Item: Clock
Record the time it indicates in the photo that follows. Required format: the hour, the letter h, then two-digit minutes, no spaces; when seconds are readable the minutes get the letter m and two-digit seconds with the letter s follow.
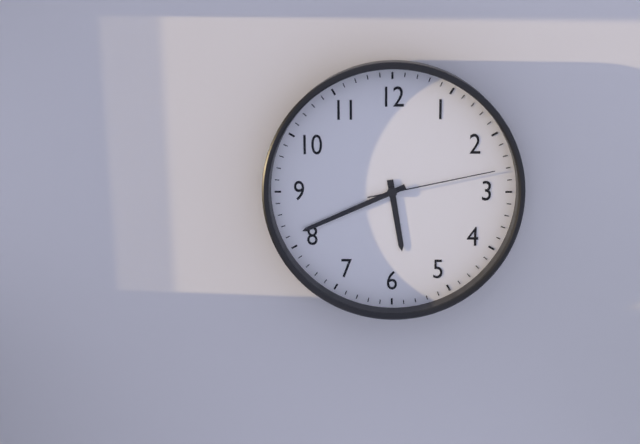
5h41m13s
